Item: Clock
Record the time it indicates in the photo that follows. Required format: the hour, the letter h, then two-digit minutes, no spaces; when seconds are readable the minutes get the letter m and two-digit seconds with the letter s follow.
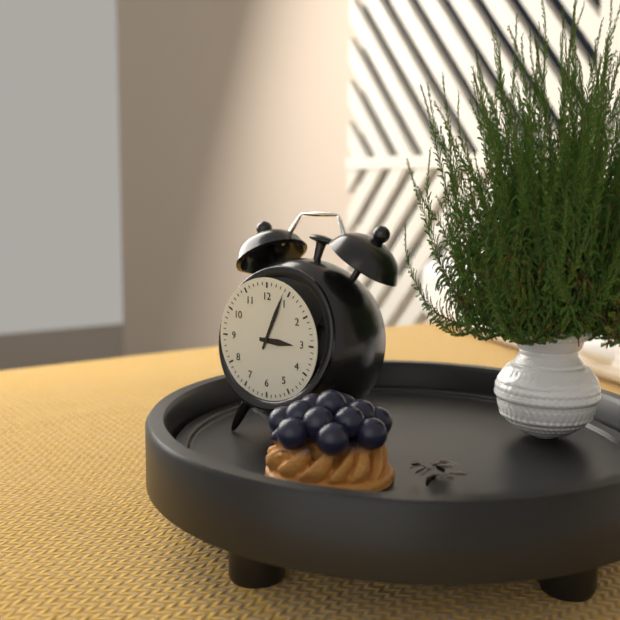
3h04
